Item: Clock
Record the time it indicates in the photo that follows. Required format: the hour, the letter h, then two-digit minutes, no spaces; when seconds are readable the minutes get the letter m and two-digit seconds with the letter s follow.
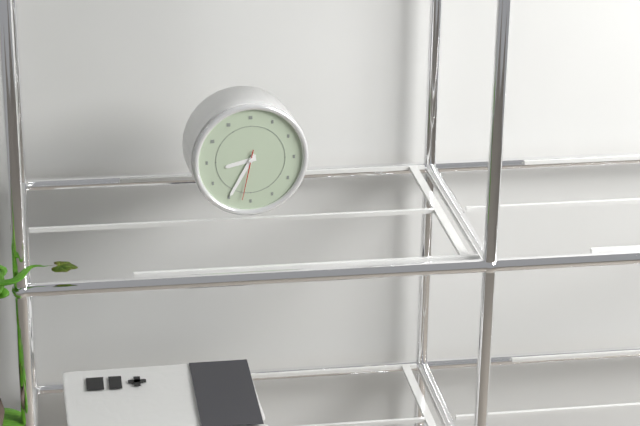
8h35m32s
